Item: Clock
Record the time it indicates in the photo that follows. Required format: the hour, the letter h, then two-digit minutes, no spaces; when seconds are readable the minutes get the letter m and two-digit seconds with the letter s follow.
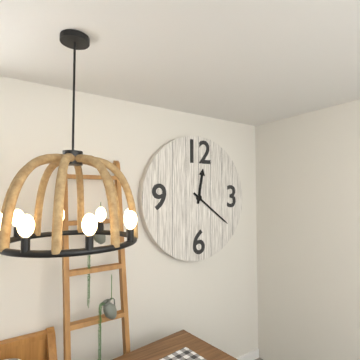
12h21
